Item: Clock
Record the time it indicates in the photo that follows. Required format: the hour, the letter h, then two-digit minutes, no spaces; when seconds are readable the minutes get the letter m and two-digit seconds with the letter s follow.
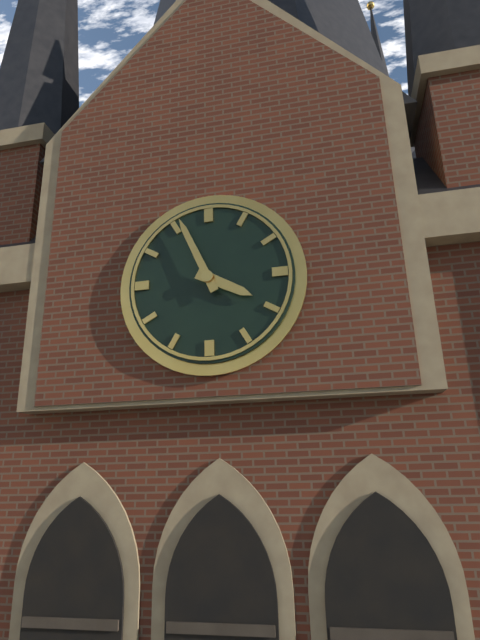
3h56
